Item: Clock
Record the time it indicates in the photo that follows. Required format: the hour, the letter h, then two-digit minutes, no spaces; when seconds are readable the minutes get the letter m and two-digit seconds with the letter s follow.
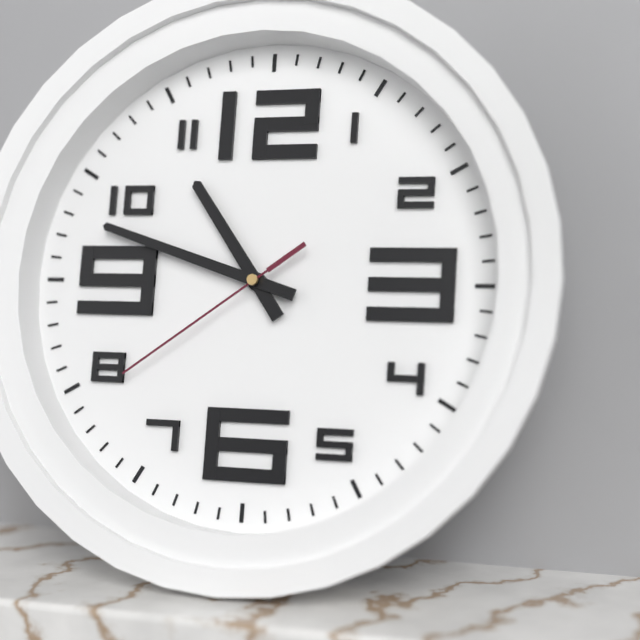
10h48m39s
